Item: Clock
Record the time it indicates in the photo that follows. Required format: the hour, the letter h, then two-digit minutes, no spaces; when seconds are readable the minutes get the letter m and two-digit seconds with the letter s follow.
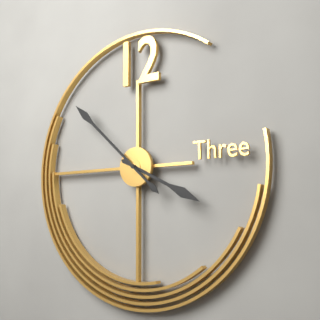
3h52
